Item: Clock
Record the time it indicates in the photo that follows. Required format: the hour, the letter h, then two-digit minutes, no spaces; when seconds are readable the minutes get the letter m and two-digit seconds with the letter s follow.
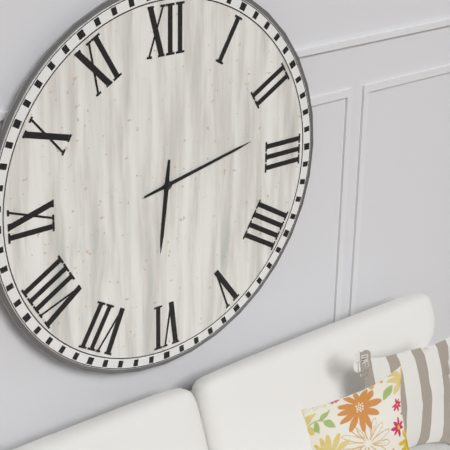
6h13
